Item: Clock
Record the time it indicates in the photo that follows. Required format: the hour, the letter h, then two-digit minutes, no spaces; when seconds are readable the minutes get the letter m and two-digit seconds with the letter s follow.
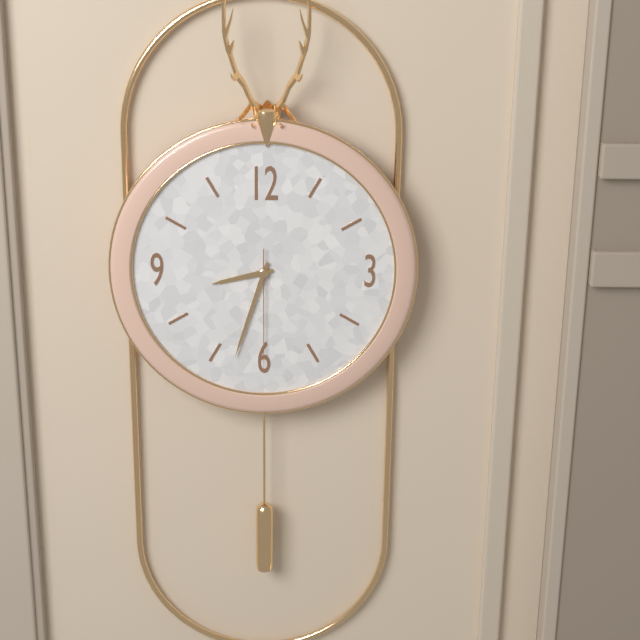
8h33m30s
